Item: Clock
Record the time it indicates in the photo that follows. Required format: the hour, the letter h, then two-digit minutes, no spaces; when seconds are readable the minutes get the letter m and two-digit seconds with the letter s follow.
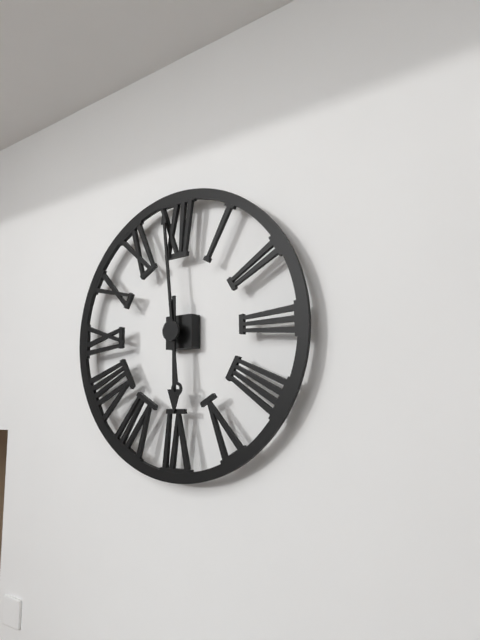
5h59
